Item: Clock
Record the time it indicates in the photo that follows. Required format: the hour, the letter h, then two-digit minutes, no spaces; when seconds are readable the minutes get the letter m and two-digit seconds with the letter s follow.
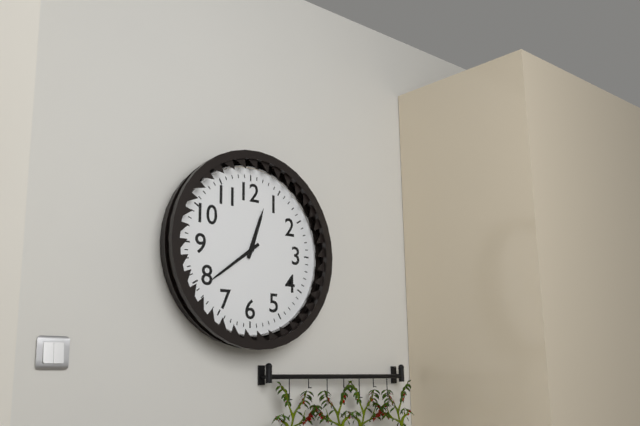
12h39
